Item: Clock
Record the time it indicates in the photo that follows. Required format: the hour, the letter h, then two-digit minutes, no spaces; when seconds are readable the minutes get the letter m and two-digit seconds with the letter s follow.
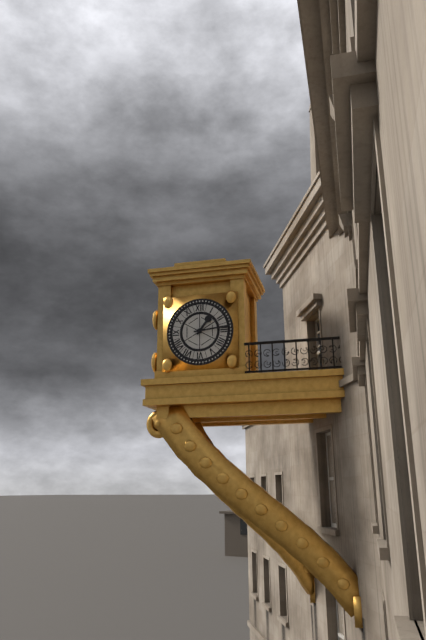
1h14
